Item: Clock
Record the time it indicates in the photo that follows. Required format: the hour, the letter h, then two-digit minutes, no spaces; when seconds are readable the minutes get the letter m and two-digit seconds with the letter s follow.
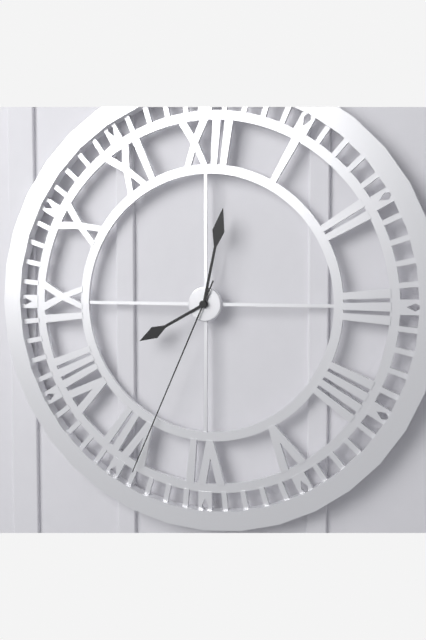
8h02m34s
